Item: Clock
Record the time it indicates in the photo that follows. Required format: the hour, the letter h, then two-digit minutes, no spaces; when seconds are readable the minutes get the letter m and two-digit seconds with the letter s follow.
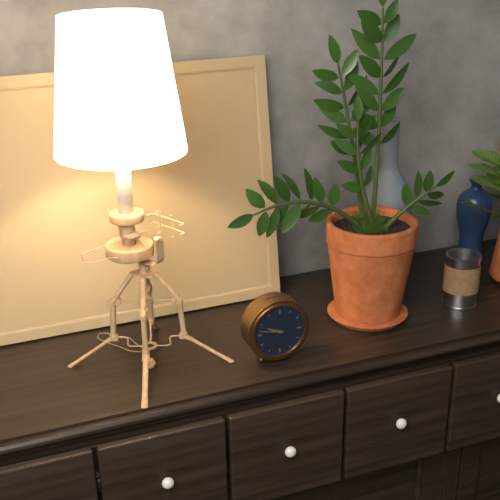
9h47
